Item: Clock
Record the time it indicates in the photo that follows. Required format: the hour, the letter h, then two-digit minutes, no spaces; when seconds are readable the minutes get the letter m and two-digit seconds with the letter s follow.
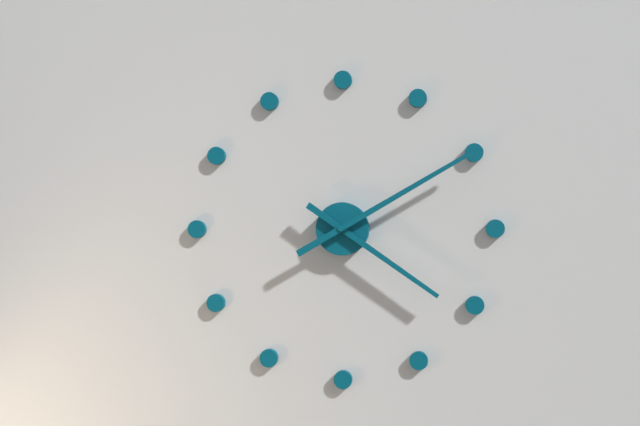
4h10
